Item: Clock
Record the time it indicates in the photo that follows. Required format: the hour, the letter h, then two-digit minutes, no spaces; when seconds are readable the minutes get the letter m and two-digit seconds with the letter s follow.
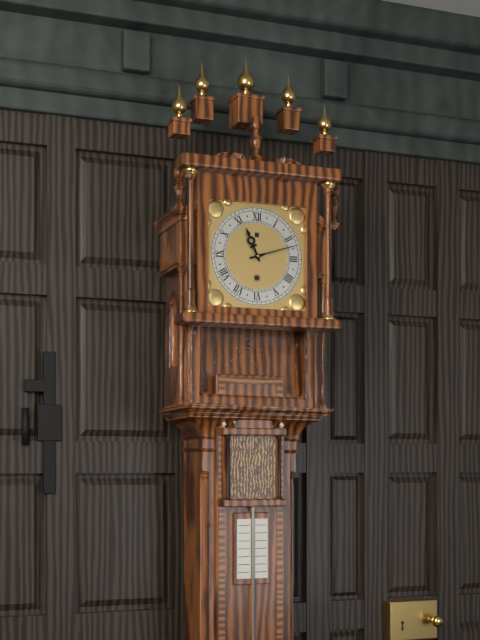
11h12
